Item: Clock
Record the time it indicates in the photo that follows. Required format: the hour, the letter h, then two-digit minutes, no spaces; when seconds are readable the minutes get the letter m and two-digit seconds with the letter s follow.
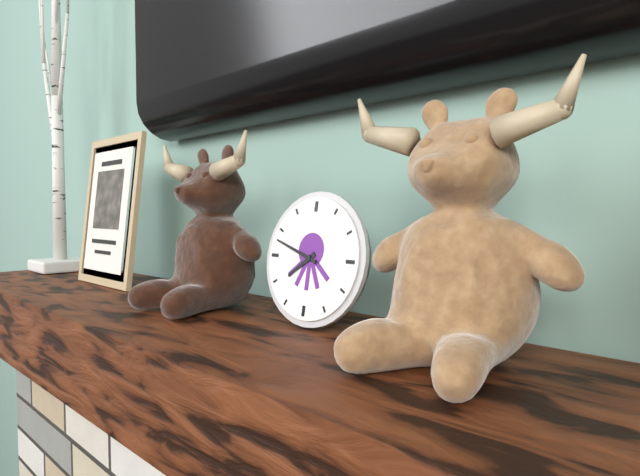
7h48
